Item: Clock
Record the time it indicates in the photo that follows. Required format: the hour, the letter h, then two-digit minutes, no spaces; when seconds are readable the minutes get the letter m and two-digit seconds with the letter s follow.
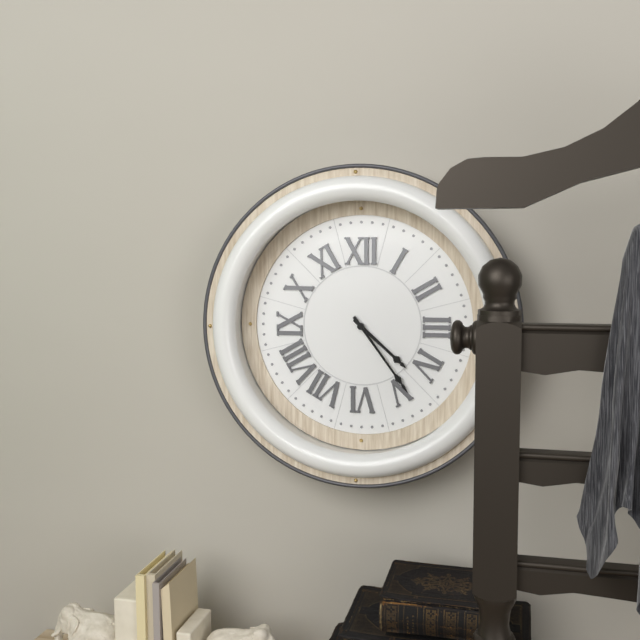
4h24
